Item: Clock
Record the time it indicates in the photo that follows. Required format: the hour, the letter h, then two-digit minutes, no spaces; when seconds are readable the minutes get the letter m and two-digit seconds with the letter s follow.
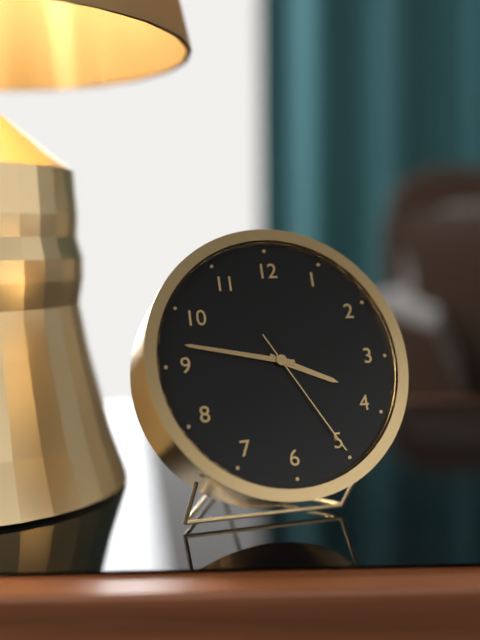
3h47m25s
